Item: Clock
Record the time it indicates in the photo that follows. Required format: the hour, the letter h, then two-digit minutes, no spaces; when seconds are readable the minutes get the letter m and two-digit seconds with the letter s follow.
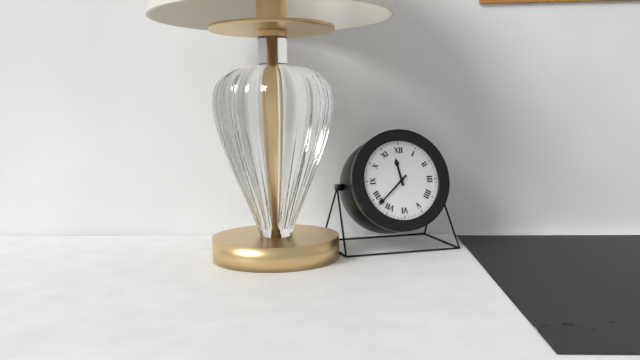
11h38
